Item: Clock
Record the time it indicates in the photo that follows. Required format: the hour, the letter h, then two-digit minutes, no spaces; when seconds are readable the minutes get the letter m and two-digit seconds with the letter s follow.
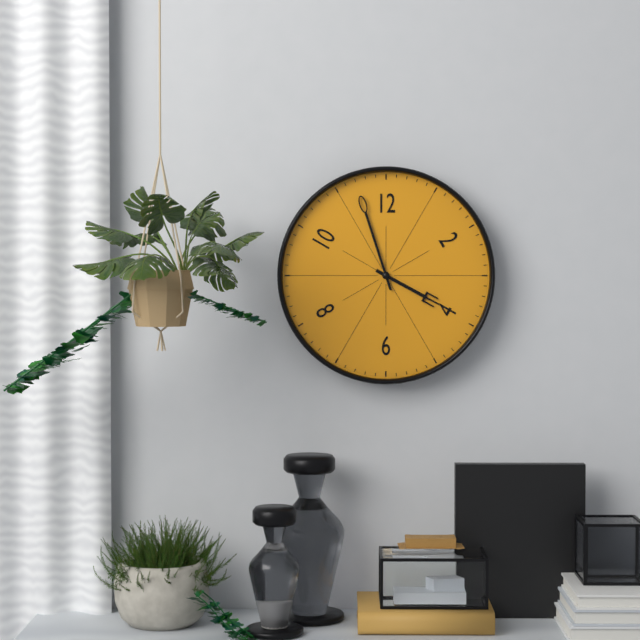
3h57
